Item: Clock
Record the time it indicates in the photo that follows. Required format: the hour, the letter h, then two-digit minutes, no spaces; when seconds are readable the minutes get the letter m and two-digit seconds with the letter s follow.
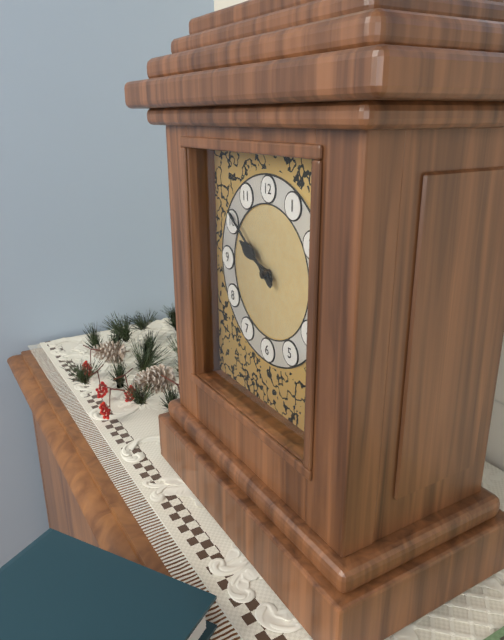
9h51
